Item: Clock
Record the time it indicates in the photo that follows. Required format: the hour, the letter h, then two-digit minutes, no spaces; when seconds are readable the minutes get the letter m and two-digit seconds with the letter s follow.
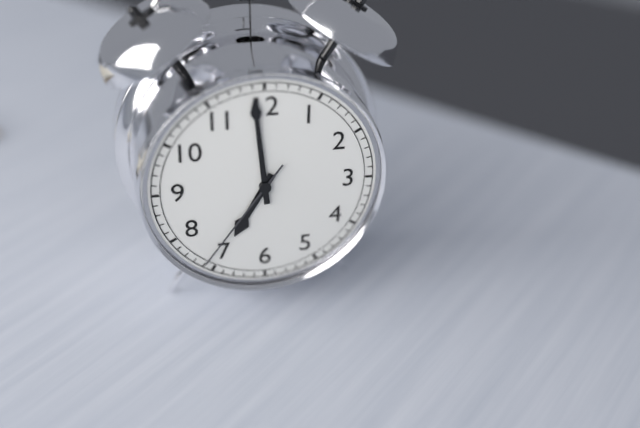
6h59m36s
